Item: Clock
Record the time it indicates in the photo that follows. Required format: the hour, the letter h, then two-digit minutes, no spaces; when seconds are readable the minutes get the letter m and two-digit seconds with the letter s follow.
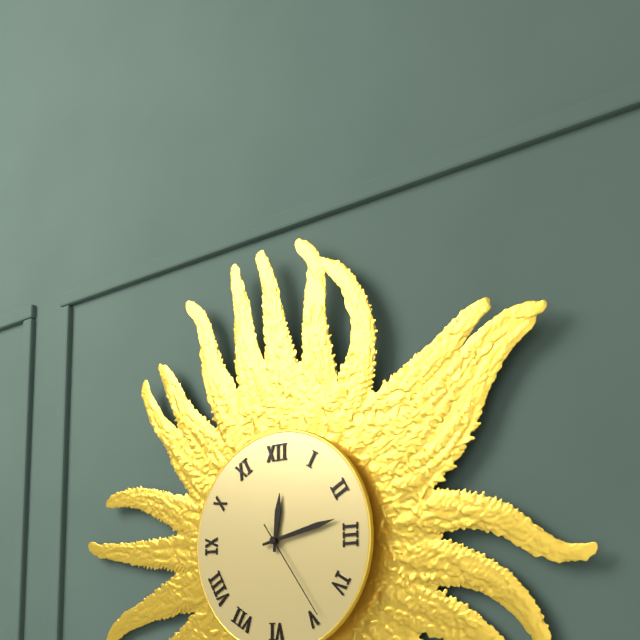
12h13m24s
